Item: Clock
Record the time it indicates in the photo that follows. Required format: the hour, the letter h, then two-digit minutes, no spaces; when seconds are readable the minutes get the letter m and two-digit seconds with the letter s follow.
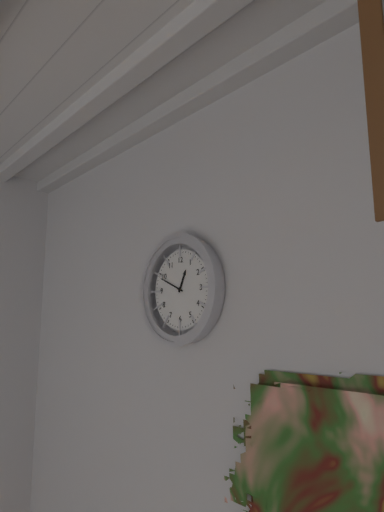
12h49
